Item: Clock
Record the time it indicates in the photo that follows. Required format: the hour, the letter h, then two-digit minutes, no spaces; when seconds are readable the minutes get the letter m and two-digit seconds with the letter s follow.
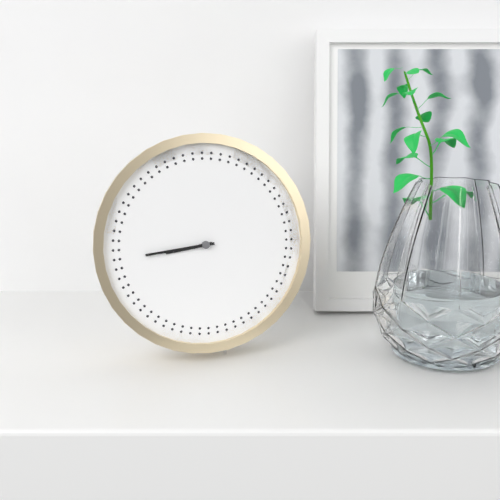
8h44
